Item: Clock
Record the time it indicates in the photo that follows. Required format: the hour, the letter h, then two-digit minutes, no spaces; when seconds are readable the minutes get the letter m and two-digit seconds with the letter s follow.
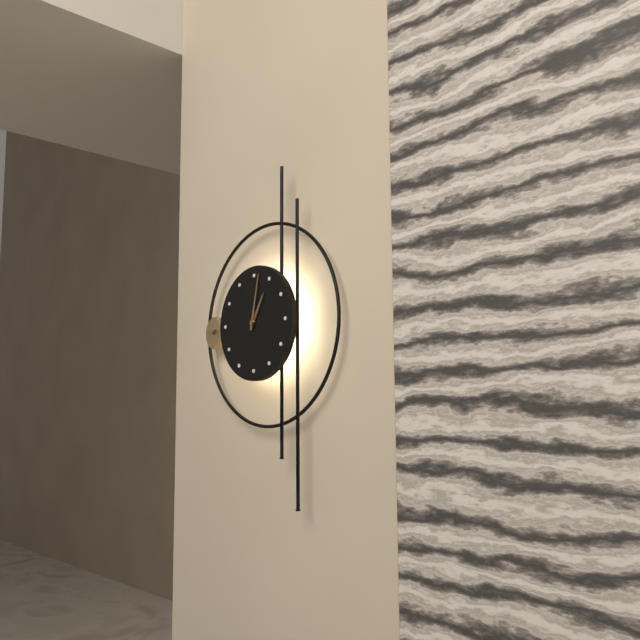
1h02
